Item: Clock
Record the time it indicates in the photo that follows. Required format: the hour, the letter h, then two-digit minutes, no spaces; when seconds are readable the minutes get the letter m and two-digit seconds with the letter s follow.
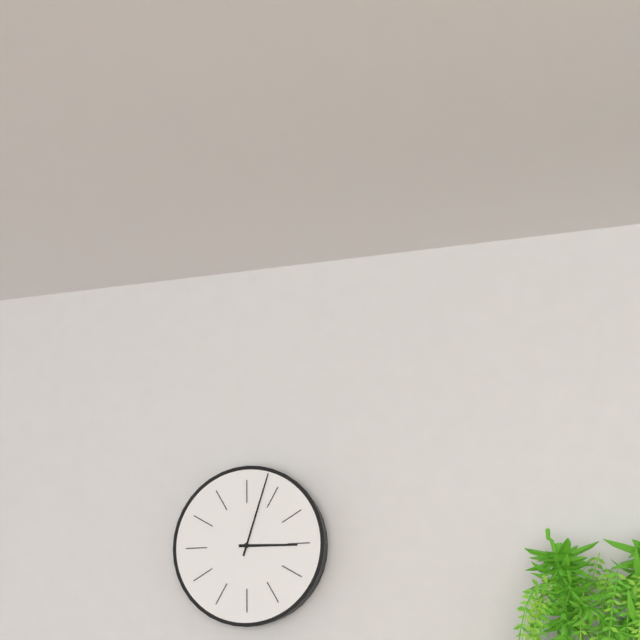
3h03
